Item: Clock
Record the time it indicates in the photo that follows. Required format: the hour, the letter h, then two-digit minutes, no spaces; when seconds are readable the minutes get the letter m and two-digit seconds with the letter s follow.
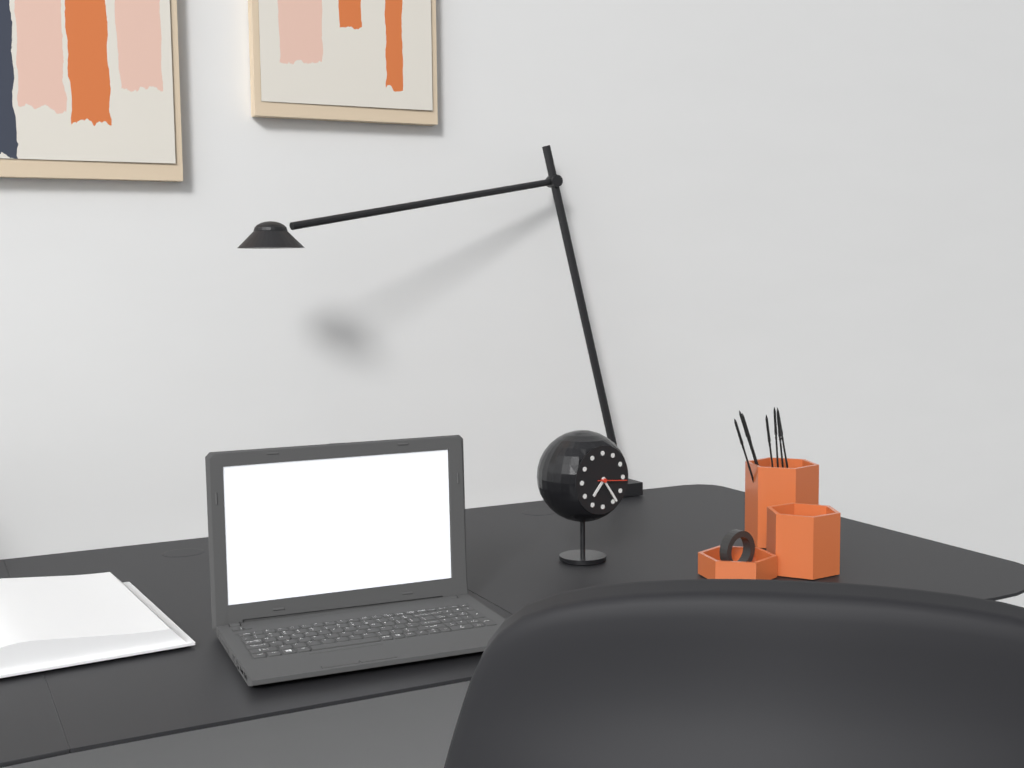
7h24m16s
